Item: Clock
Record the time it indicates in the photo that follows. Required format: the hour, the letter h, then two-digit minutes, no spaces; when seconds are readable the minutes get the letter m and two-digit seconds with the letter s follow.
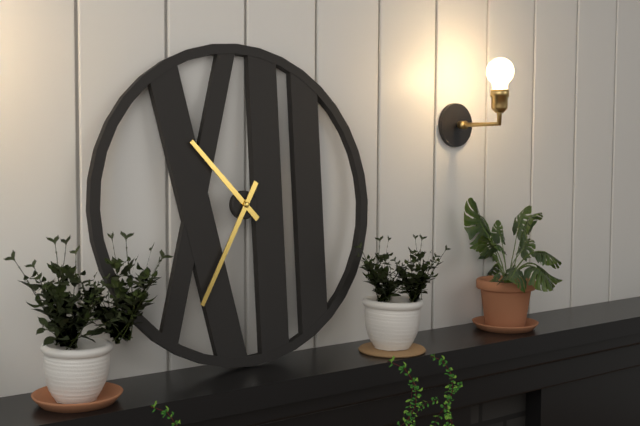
10h35
